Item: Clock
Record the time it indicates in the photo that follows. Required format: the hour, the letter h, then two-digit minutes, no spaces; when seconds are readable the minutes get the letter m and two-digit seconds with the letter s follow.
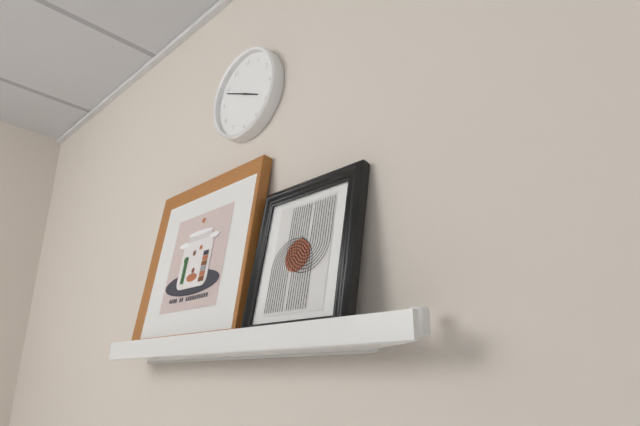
3h49
